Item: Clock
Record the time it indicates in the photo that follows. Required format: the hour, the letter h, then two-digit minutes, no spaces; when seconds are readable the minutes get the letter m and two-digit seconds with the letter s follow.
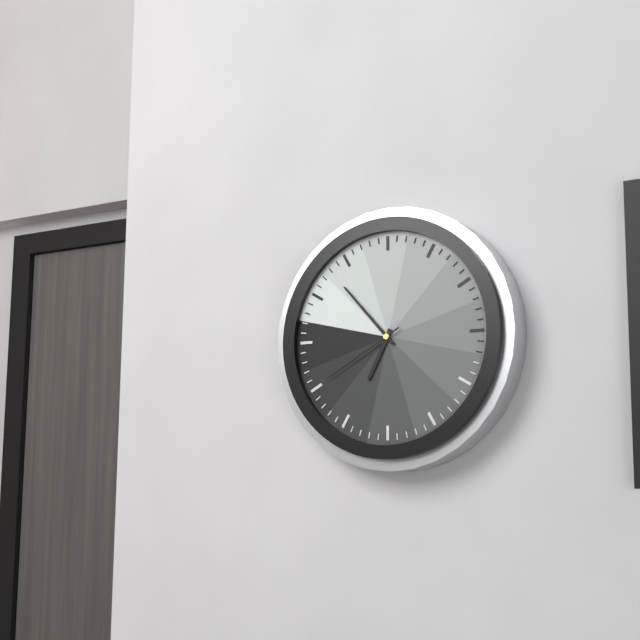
6h53m40s
